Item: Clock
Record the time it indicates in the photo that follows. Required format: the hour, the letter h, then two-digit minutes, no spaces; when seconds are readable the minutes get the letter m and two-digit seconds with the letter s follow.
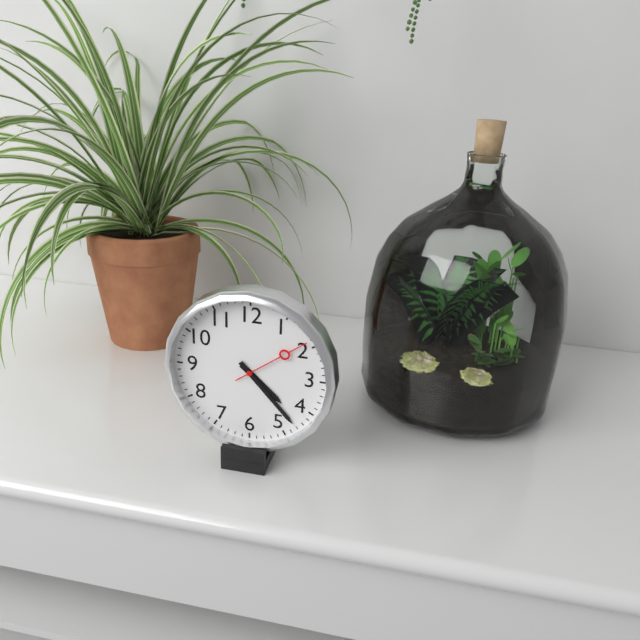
4h23m09s
